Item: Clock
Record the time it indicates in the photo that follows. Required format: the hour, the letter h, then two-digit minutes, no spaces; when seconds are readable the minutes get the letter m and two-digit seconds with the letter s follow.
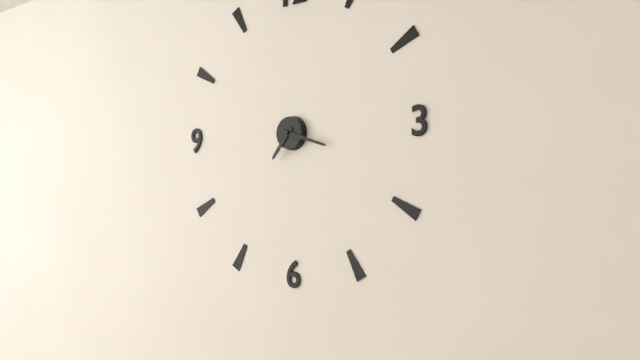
7h18
